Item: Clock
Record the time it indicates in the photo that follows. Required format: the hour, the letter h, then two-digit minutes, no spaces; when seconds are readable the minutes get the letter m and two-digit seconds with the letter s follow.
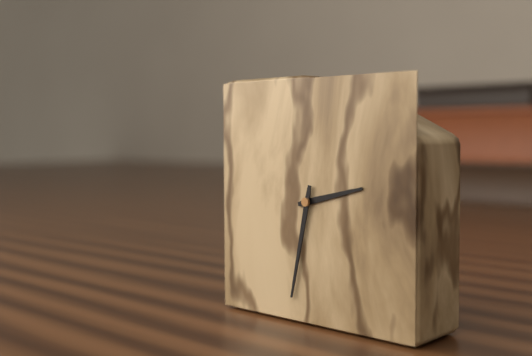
2h32
